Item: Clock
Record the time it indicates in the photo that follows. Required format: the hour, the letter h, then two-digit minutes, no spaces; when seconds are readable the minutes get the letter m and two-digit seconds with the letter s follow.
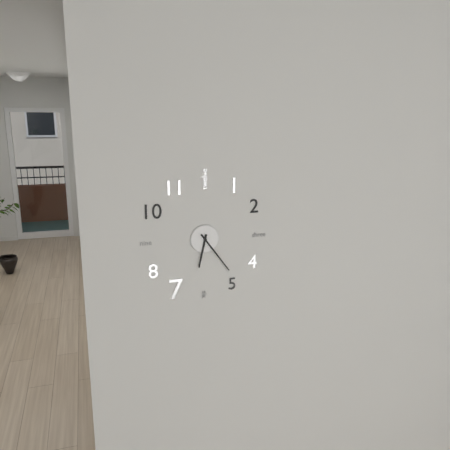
6h24
